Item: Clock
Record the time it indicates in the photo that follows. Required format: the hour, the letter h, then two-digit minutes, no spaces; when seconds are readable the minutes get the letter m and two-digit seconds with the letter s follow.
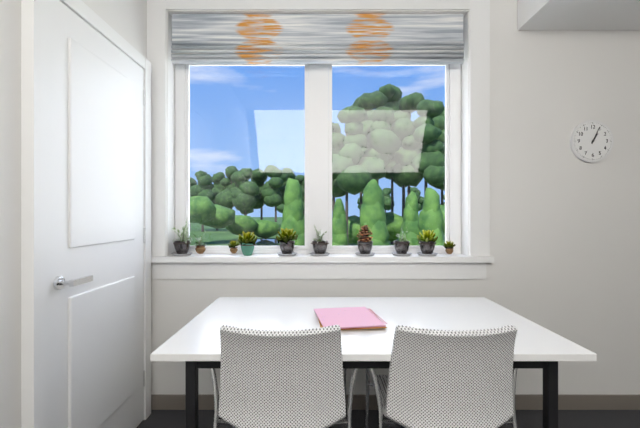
1h04
